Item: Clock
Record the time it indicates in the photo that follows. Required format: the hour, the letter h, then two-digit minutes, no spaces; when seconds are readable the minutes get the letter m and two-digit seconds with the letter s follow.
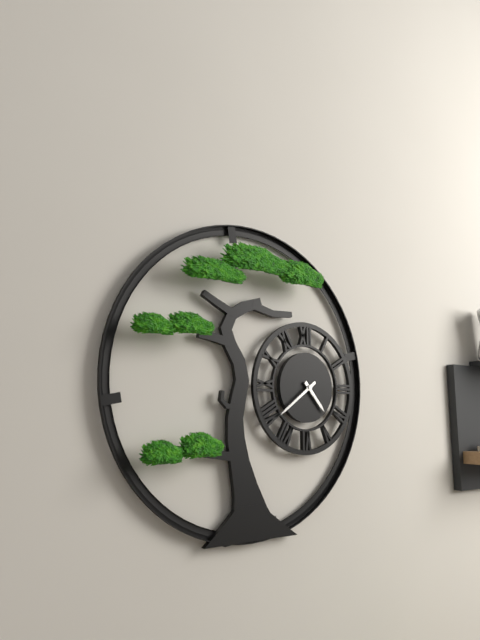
4h39
